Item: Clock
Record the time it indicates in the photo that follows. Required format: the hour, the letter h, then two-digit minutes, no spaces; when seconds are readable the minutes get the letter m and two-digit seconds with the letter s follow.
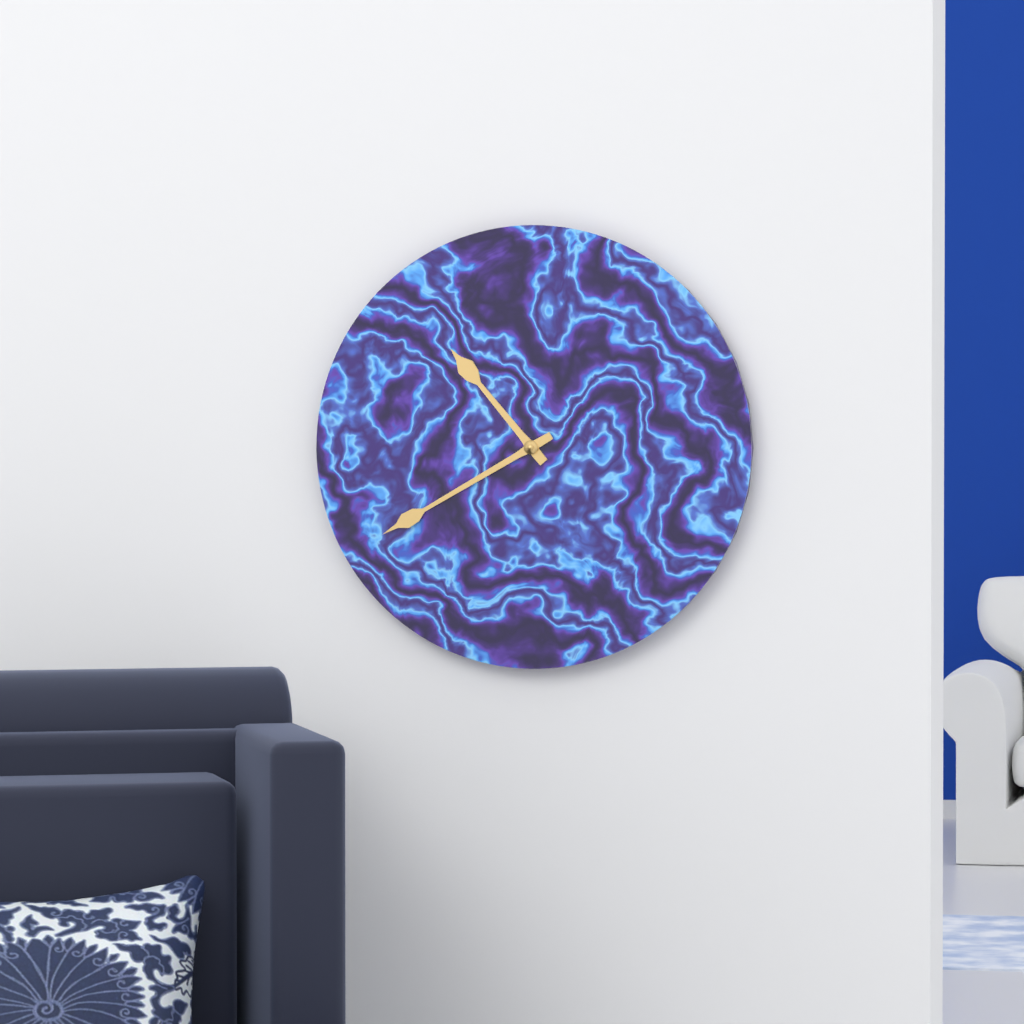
10h40
